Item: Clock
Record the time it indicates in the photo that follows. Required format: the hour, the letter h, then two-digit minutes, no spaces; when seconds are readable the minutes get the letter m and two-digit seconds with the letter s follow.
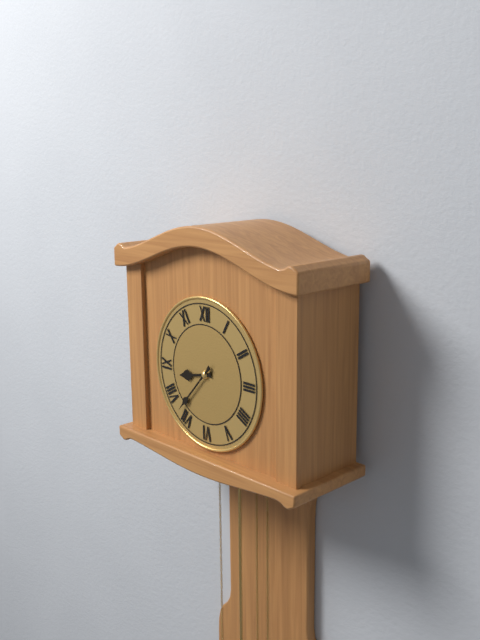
8h37
